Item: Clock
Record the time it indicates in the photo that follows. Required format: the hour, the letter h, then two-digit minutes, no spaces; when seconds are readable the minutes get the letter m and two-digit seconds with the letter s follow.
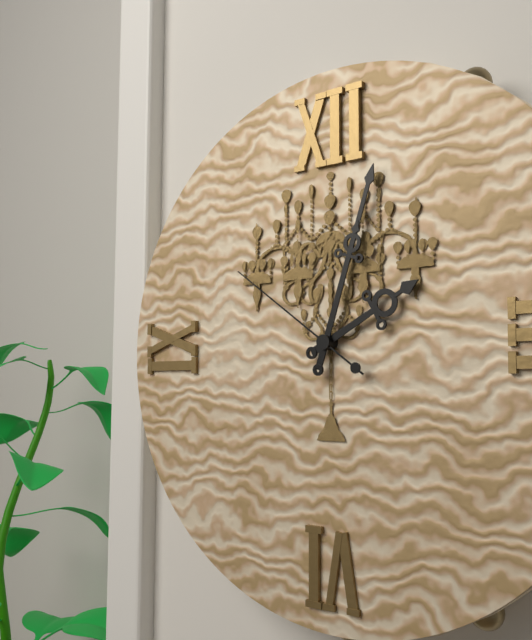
2h03m51s
